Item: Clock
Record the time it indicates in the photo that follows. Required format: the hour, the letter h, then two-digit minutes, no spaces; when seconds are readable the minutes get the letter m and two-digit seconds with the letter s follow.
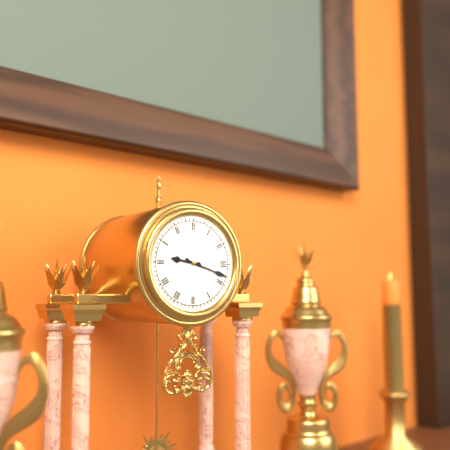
9h18
